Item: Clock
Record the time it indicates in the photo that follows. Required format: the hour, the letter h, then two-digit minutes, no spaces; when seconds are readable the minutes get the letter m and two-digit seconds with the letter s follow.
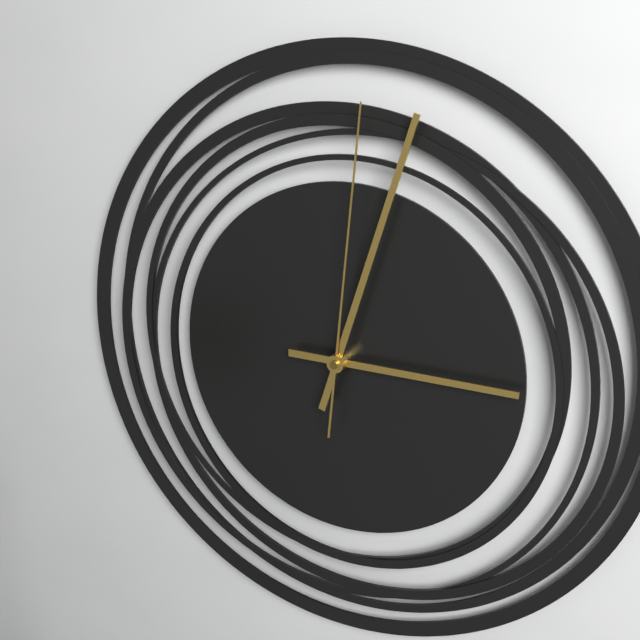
3h03m01s
